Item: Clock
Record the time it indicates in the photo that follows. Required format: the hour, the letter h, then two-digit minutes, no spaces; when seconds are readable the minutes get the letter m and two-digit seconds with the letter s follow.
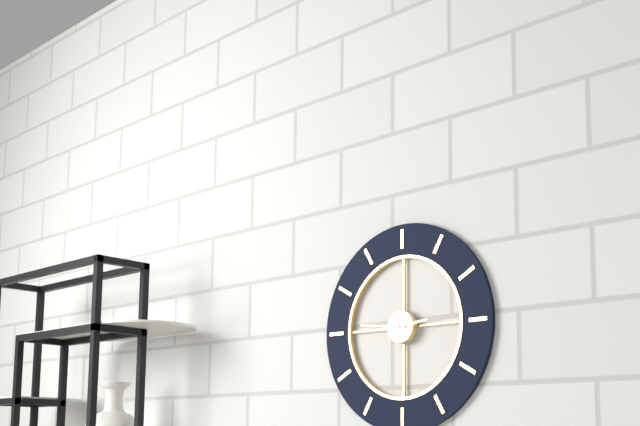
2h46
